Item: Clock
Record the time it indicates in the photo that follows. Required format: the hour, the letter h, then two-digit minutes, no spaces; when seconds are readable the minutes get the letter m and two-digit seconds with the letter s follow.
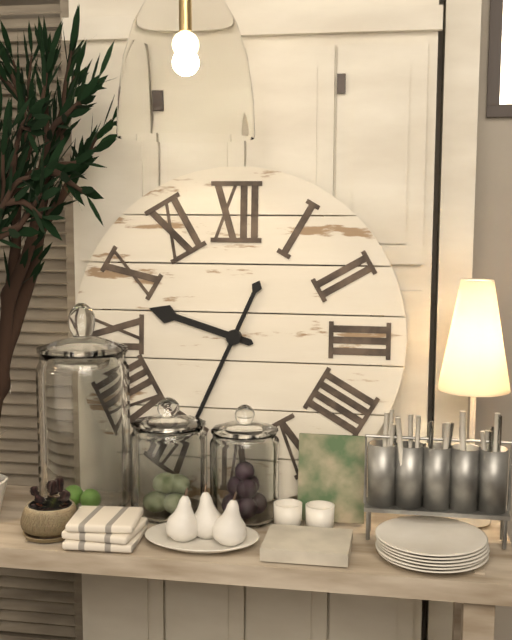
9h34
